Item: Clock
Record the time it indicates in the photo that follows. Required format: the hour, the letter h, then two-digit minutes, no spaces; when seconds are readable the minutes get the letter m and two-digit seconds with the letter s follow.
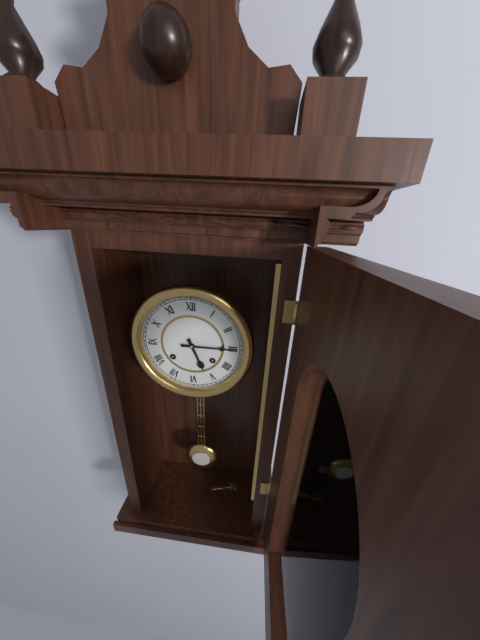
5h15
